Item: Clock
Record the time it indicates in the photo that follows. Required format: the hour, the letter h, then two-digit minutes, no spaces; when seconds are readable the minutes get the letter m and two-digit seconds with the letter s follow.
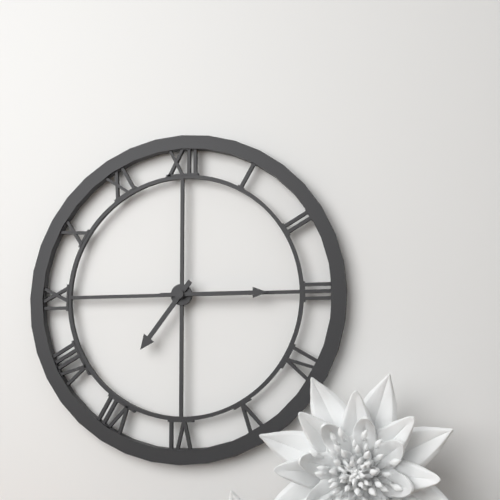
7h15
